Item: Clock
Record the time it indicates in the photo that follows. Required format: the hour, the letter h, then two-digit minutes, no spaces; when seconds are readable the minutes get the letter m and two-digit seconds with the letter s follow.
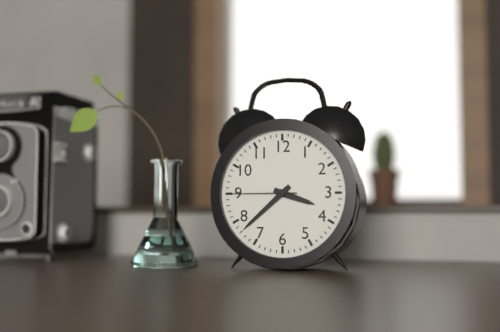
3h38m45s
